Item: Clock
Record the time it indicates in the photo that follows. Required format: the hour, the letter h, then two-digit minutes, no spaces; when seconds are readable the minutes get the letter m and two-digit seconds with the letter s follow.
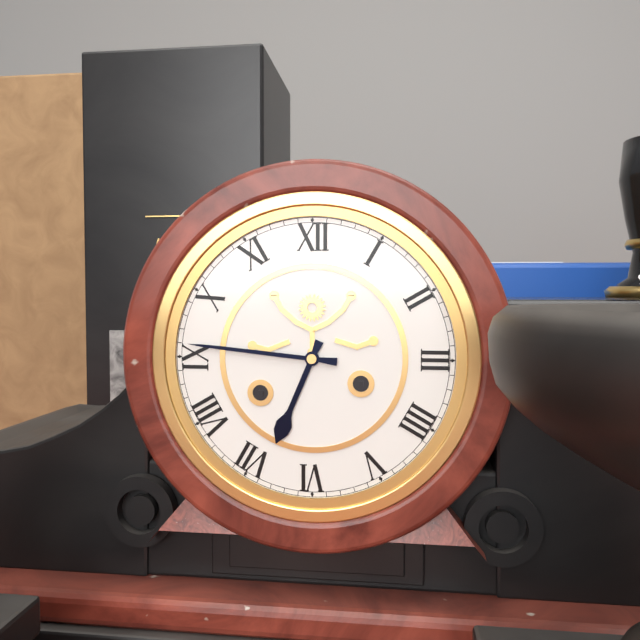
6h46
